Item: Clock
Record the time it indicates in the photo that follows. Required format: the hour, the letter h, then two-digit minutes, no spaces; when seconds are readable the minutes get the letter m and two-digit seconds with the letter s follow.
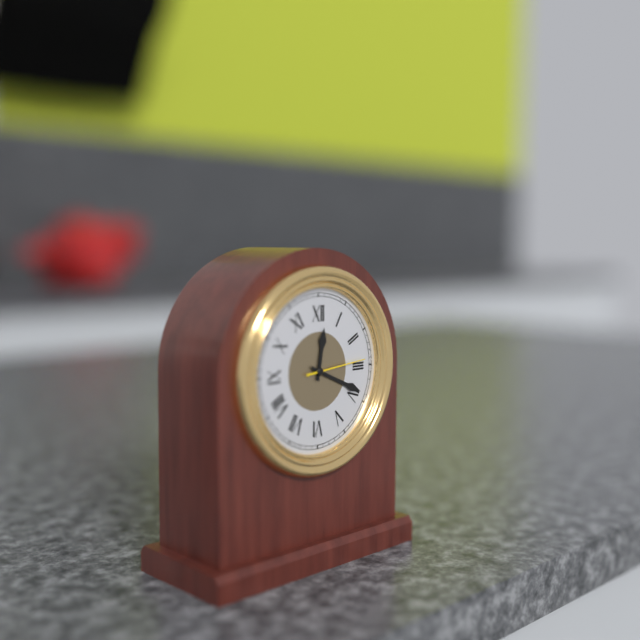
12h19m14s
